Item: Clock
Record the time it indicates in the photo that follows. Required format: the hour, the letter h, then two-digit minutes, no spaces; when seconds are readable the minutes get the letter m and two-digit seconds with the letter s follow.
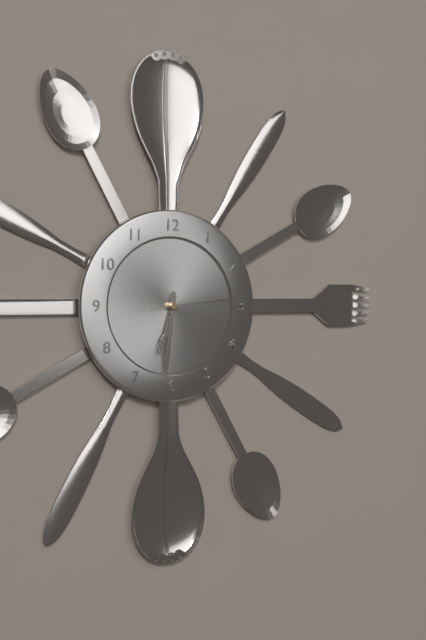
6h31m14s
